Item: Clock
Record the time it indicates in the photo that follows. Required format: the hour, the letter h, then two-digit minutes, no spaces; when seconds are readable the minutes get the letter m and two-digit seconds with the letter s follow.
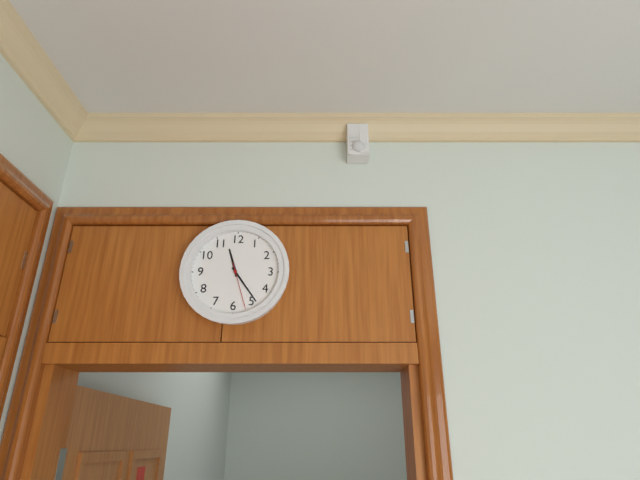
11h24
